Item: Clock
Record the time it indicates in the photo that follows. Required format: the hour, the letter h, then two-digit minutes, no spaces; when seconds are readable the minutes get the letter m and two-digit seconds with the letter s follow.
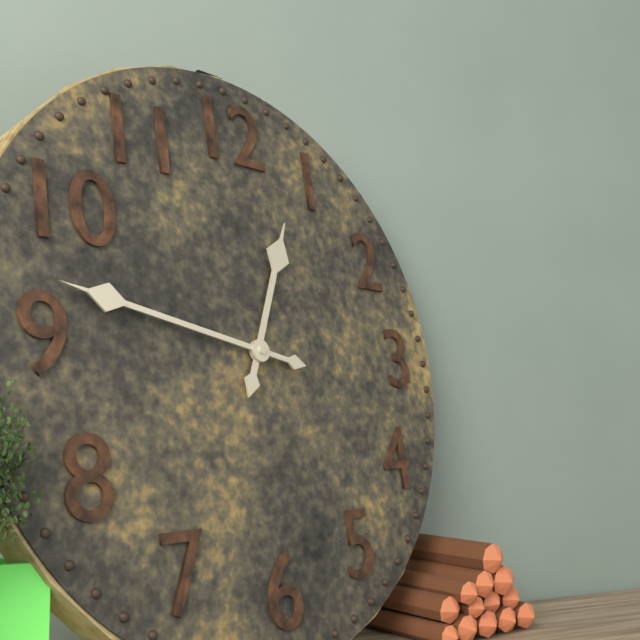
12h47
